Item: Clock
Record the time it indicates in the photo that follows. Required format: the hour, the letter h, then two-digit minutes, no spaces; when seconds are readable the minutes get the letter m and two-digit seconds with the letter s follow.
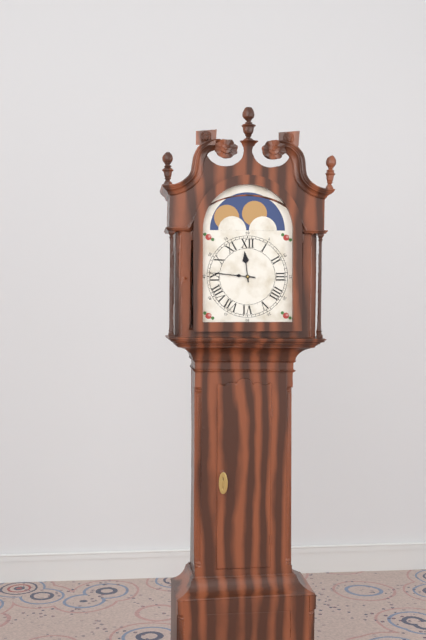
11h46
